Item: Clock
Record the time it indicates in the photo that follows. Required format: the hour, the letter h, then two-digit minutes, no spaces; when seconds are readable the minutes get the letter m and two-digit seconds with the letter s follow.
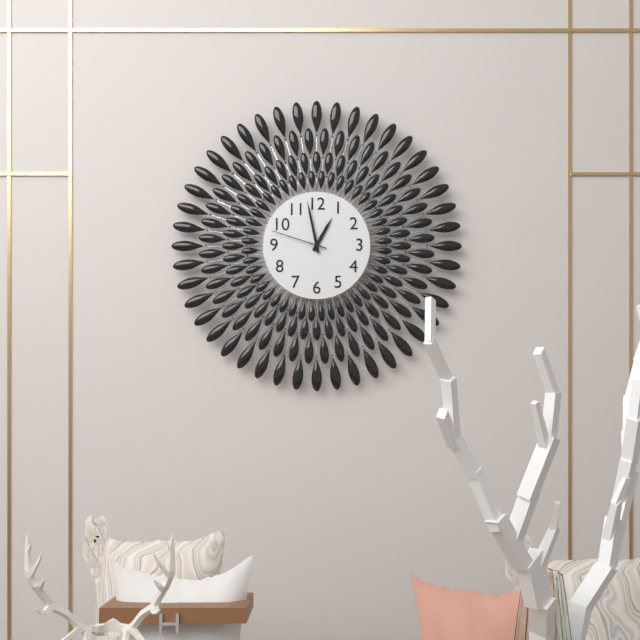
12h58m48s
